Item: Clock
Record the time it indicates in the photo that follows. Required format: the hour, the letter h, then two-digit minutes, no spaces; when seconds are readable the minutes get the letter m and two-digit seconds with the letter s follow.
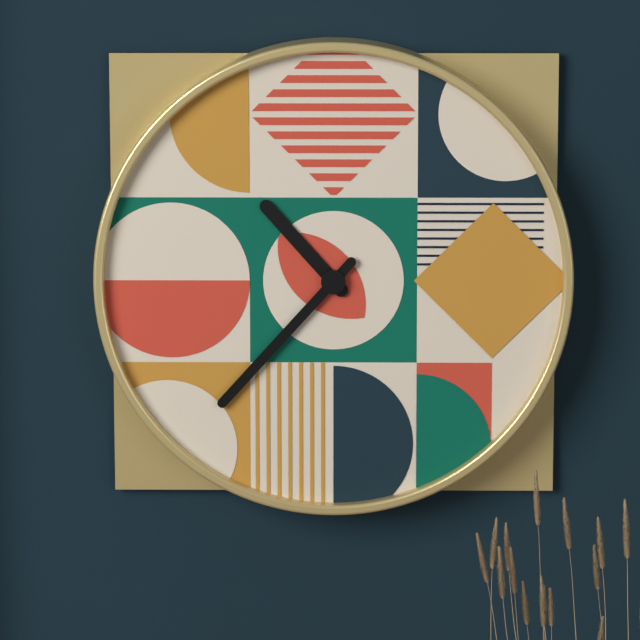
10h37
